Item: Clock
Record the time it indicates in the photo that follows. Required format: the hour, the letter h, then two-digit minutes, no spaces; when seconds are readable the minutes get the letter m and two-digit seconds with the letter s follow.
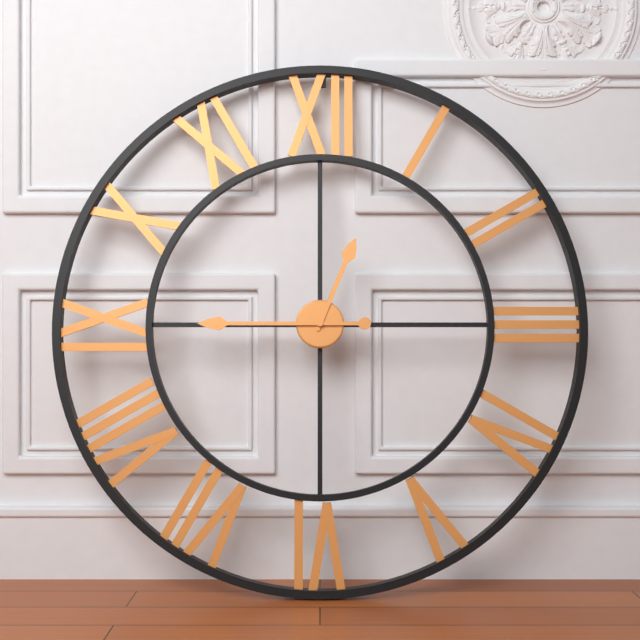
12h45
